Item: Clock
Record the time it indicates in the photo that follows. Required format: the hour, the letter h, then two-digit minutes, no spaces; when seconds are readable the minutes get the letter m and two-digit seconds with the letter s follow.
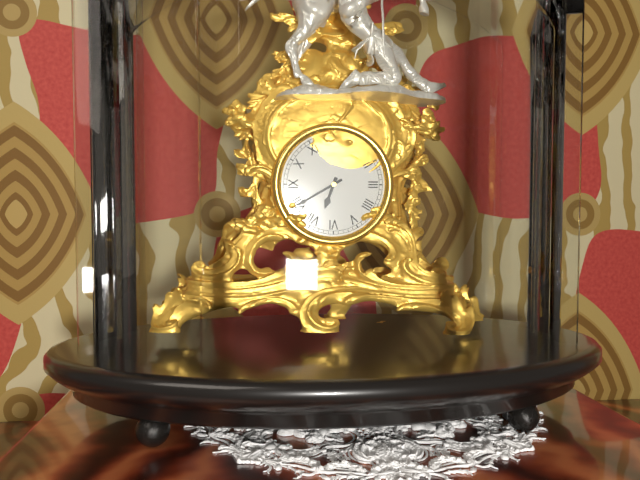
6h40
